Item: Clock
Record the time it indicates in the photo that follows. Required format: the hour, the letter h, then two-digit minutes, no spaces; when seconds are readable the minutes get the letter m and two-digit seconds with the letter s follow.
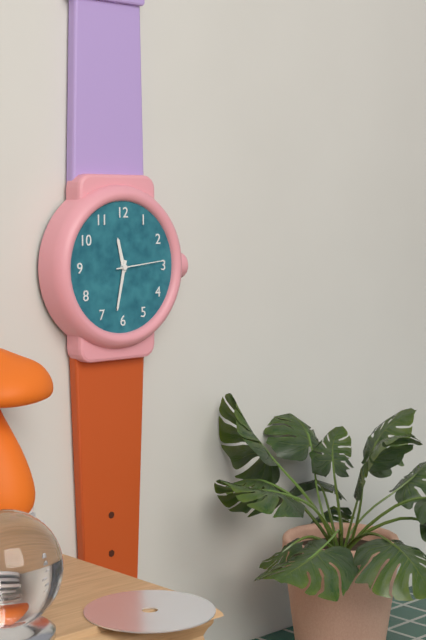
11h32
